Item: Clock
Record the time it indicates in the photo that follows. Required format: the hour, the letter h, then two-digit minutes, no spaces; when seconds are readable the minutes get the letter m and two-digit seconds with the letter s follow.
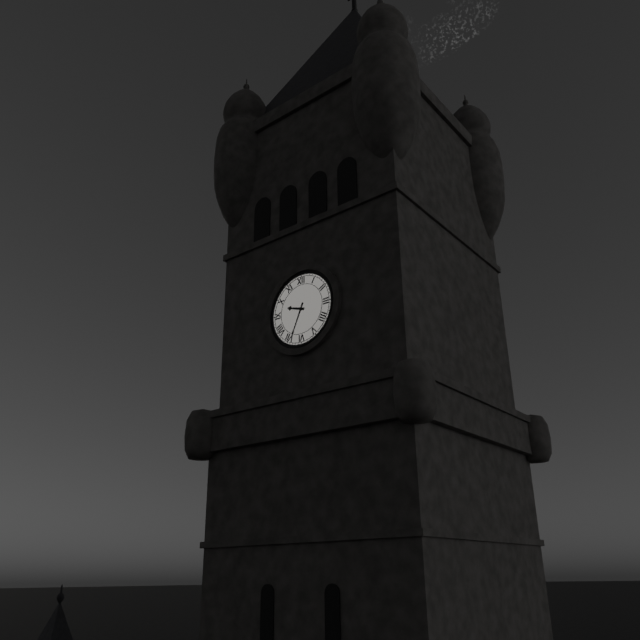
9h34
